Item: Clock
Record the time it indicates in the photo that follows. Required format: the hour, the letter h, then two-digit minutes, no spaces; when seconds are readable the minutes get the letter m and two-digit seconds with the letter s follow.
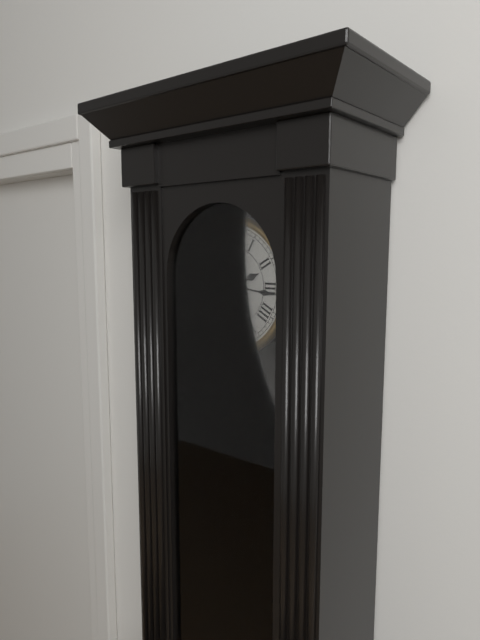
2h16
